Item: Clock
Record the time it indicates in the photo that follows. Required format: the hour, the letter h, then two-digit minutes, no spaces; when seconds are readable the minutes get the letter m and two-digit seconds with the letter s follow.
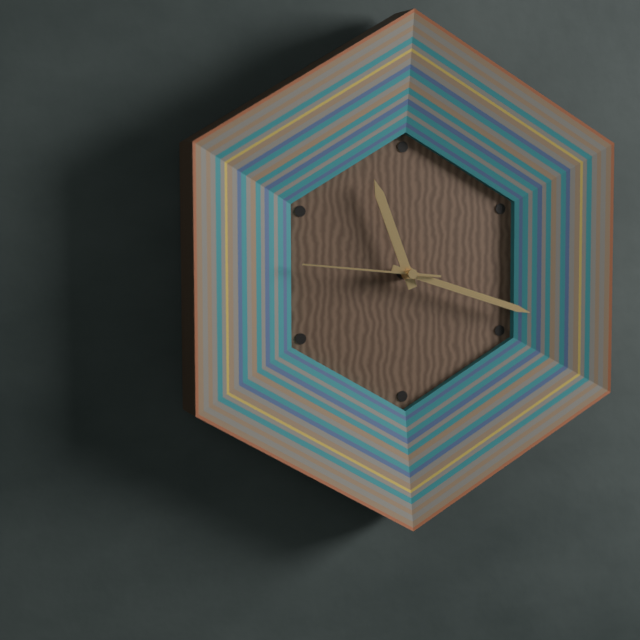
11h18m46s
